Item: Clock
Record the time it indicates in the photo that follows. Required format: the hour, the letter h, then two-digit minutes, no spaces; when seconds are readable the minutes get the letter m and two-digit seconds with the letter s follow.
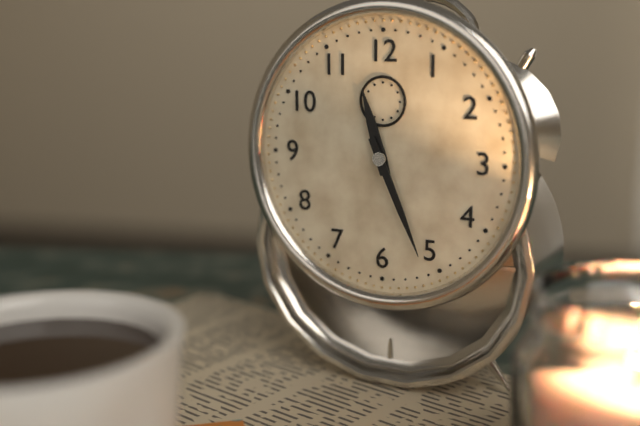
11h26
